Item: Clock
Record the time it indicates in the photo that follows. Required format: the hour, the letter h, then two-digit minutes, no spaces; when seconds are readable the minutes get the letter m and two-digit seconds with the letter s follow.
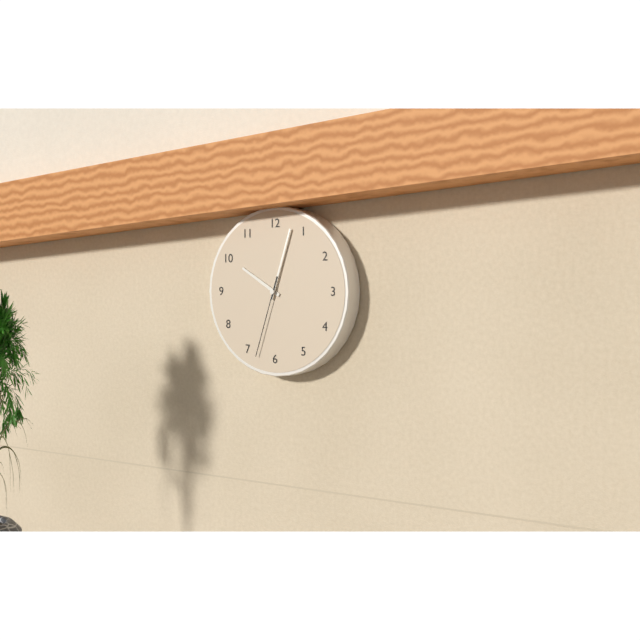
10h03m33s
